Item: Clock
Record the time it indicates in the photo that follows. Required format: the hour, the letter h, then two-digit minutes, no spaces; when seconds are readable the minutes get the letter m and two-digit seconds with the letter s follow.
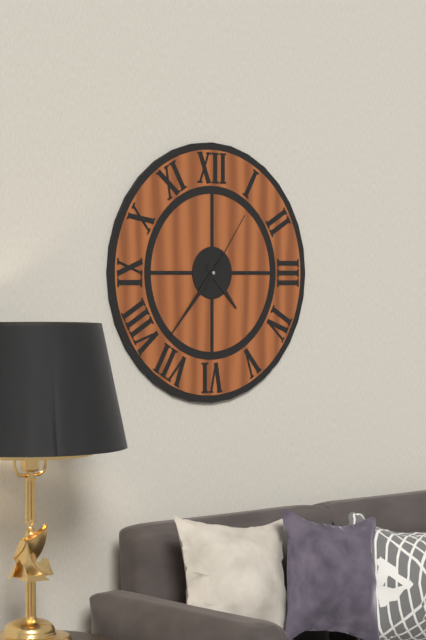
4h37m06s
